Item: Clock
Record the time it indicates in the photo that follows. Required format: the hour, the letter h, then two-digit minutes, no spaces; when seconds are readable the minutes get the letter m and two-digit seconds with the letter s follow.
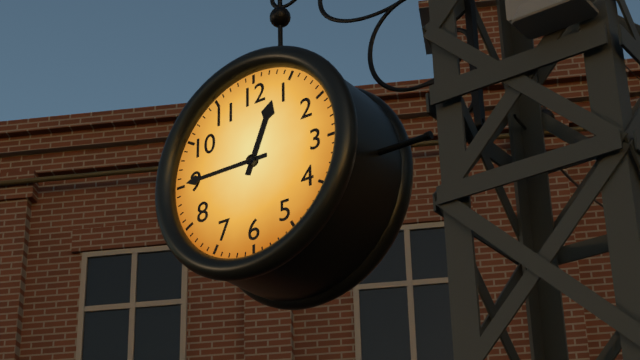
12h45
